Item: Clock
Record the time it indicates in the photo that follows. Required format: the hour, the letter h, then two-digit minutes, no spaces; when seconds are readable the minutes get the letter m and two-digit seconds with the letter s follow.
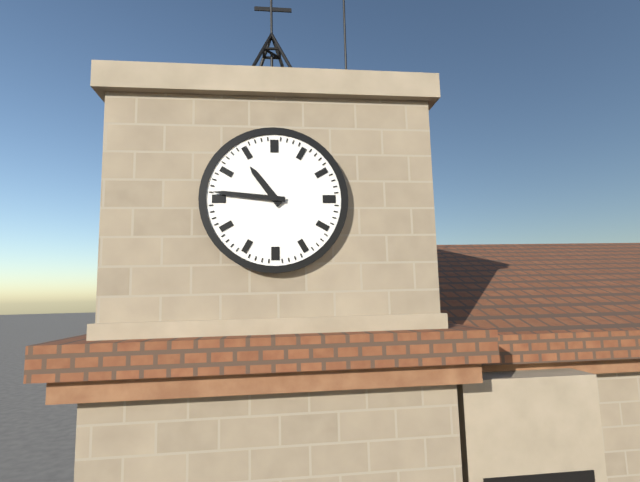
10h46
